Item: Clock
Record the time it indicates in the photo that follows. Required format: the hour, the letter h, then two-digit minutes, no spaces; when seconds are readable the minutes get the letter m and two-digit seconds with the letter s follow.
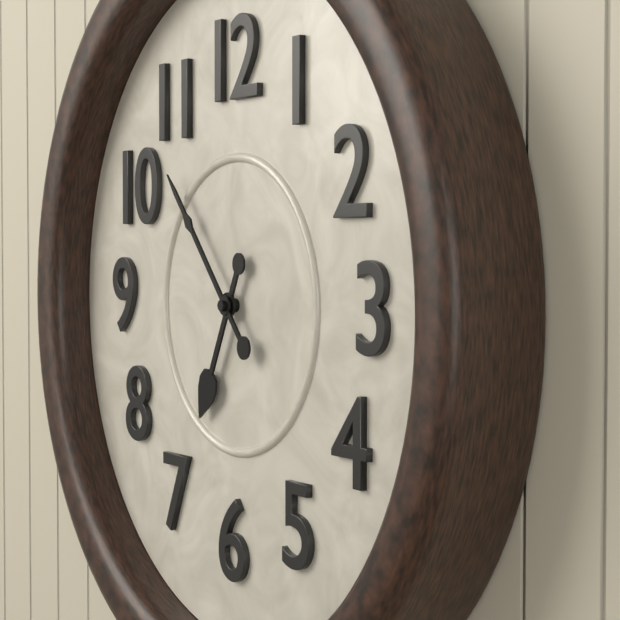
6h53
